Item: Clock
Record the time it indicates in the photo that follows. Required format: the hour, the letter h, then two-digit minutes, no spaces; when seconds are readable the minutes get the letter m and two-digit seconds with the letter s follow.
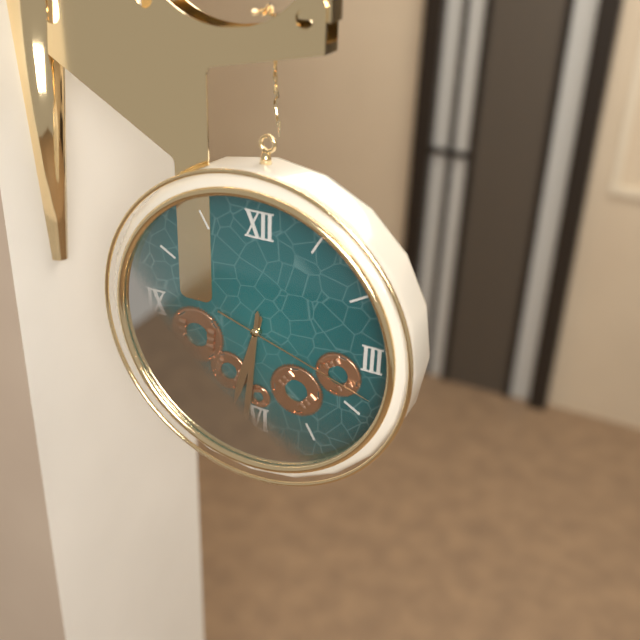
6h31m18s
